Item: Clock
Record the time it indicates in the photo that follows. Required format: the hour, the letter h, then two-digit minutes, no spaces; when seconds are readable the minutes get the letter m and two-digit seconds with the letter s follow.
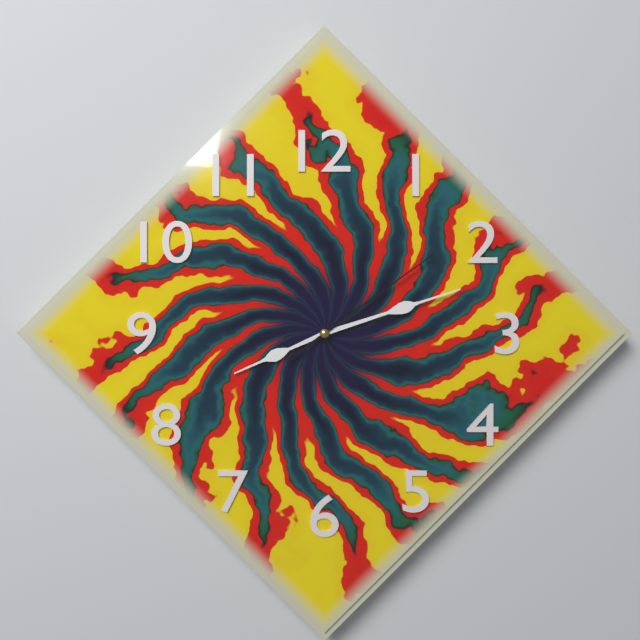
8h12m09s
